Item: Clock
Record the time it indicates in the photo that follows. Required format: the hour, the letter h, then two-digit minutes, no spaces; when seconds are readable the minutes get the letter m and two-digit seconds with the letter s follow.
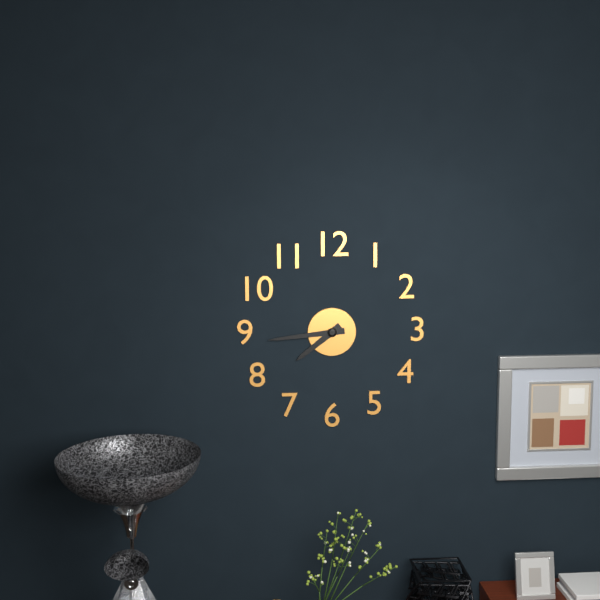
7h44
